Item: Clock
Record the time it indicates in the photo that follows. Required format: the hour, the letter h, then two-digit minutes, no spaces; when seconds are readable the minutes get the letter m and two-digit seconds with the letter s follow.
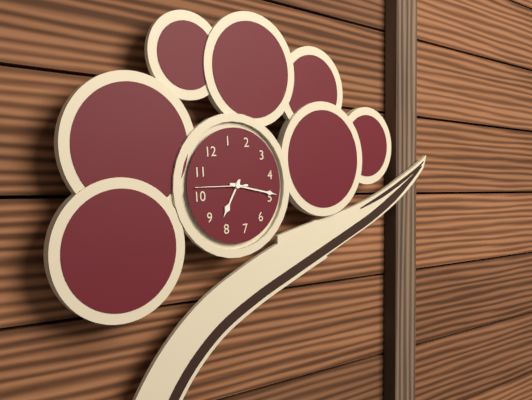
8h24m52s
